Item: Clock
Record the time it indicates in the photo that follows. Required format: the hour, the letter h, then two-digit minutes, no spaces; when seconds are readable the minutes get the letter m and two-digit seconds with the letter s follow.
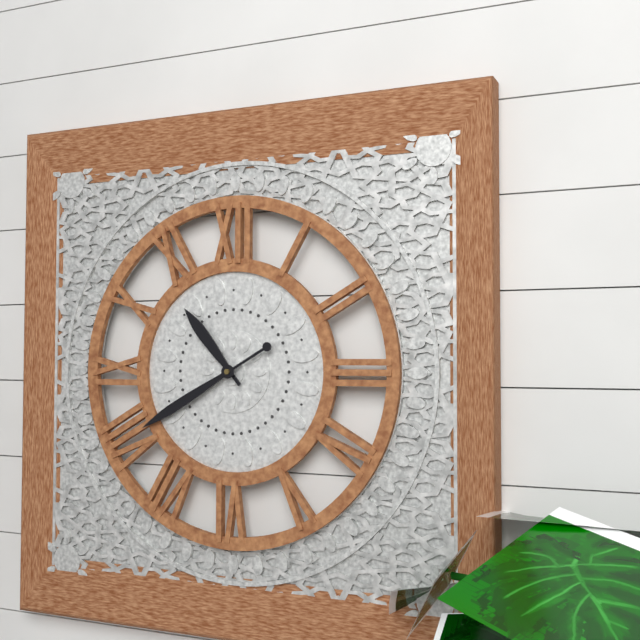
10h40
